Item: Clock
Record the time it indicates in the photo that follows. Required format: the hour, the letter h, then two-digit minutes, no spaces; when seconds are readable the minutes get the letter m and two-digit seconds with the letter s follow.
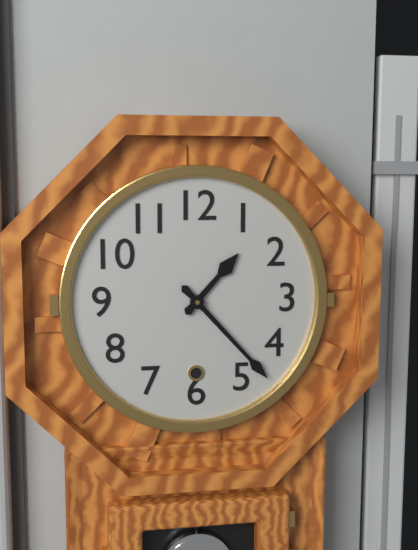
1h23
